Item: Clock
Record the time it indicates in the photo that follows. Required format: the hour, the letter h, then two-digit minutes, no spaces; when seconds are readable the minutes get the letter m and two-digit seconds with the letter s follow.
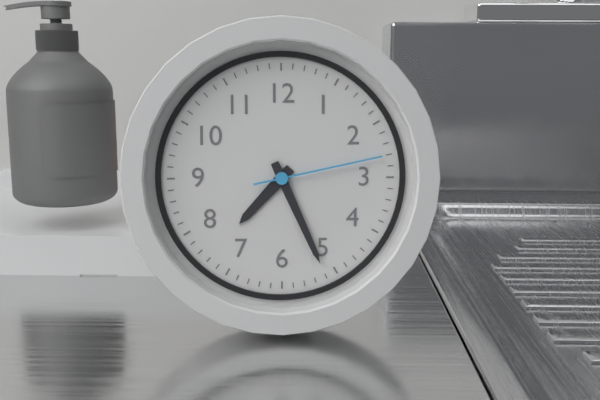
7h26m13s
